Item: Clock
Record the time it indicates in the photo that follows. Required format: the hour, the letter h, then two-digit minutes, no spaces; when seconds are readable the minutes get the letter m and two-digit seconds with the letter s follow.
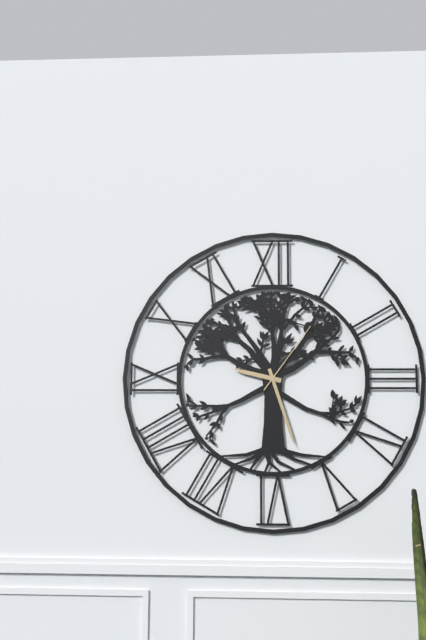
9h27m06s
